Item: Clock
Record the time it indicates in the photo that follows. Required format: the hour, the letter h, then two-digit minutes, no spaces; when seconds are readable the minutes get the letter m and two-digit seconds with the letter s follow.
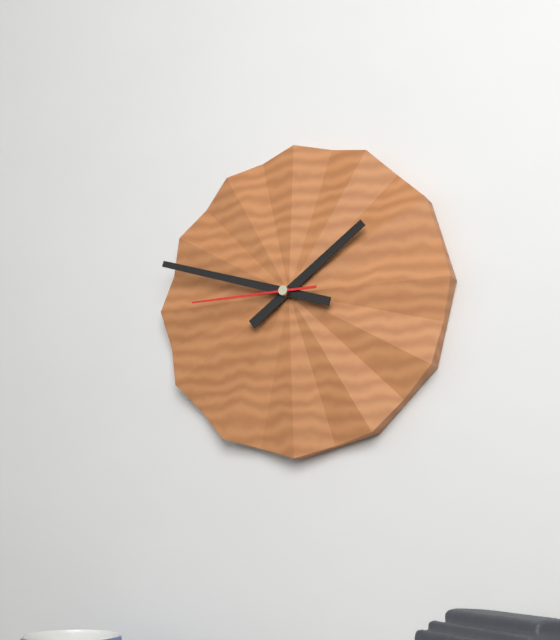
1h48m45s
